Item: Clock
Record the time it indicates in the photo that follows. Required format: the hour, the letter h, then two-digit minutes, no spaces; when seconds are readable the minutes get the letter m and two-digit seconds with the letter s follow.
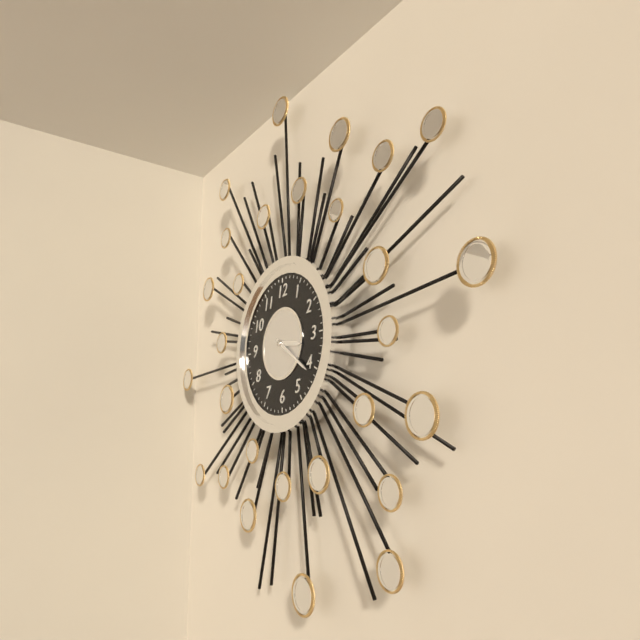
3h21
